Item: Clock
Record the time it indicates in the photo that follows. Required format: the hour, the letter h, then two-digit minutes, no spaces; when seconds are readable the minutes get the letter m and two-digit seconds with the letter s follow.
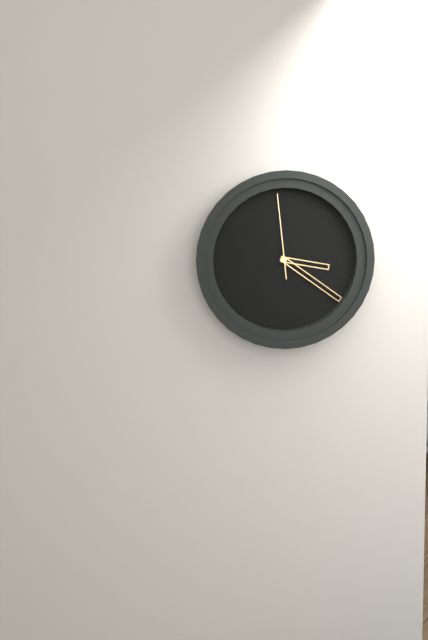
3h21m59s
